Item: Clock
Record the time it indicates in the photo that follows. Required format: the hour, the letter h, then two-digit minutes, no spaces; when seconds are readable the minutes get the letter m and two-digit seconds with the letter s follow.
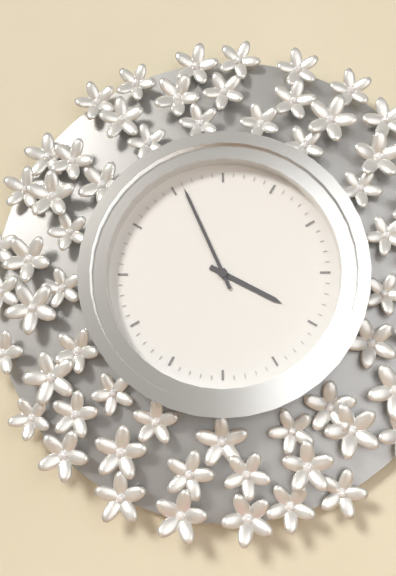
3h56
